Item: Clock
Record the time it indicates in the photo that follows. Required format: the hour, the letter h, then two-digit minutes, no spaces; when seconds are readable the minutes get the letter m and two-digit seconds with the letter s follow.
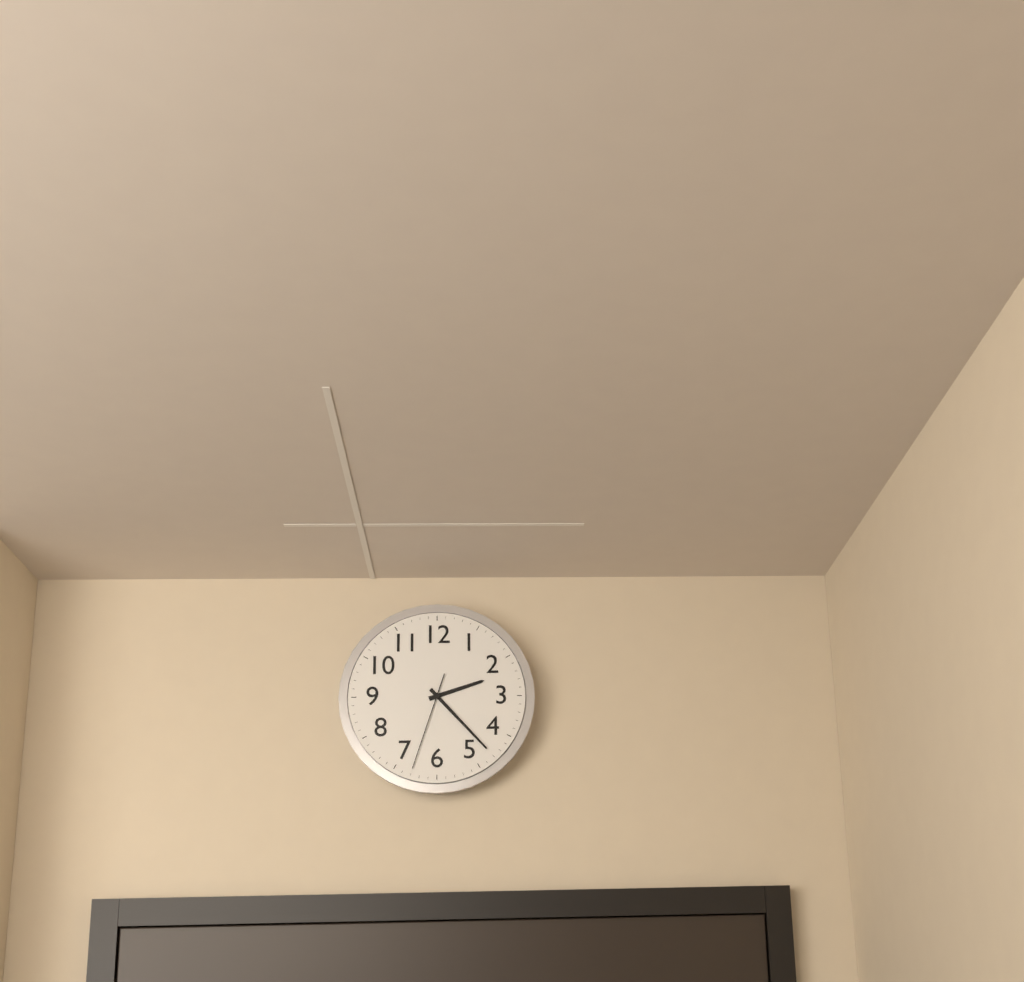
2h23m33s
